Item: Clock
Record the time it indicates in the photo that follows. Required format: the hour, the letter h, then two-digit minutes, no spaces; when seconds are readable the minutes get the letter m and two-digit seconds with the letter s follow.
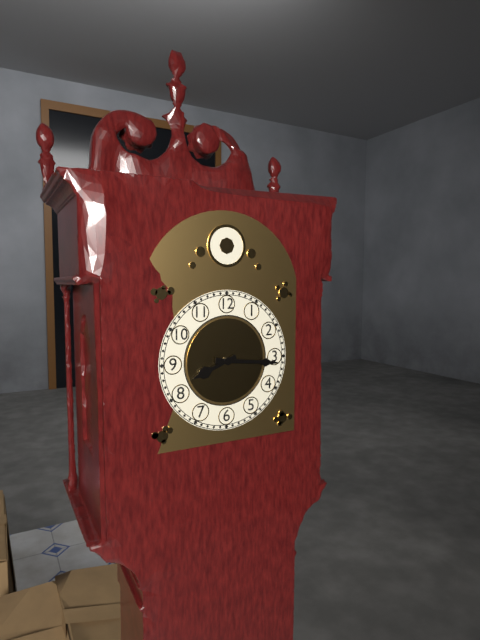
8h16
